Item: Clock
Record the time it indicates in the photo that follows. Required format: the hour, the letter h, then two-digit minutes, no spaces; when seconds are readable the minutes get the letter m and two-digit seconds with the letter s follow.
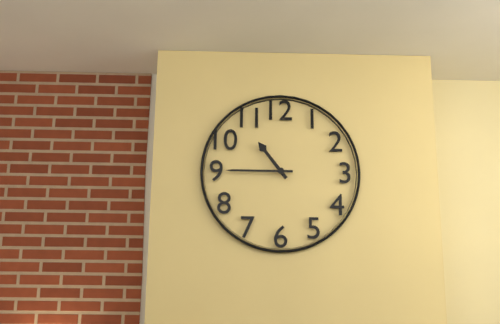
10h45
